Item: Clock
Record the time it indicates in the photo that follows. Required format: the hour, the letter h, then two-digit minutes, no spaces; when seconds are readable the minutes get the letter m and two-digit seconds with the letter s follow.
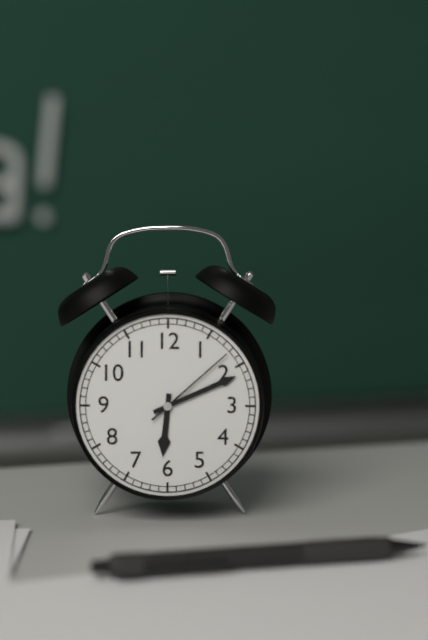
6h11m08s
